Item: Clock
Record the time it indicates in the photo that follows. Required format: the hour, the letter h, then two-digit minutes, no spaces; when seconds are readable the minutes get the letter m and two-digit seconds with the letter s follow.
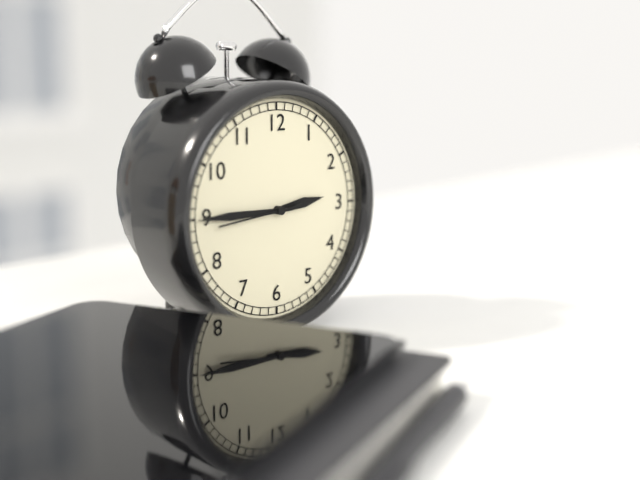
2h45m44s
